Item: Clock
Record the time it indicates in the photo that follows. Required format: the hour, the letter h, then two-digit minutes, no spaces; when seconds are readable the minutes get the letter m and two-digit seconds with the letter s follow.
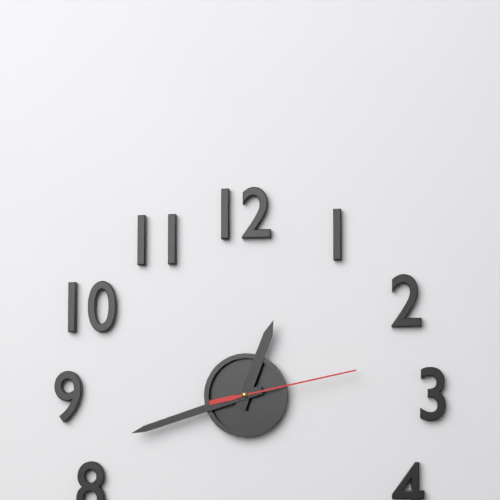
12h42m13s
